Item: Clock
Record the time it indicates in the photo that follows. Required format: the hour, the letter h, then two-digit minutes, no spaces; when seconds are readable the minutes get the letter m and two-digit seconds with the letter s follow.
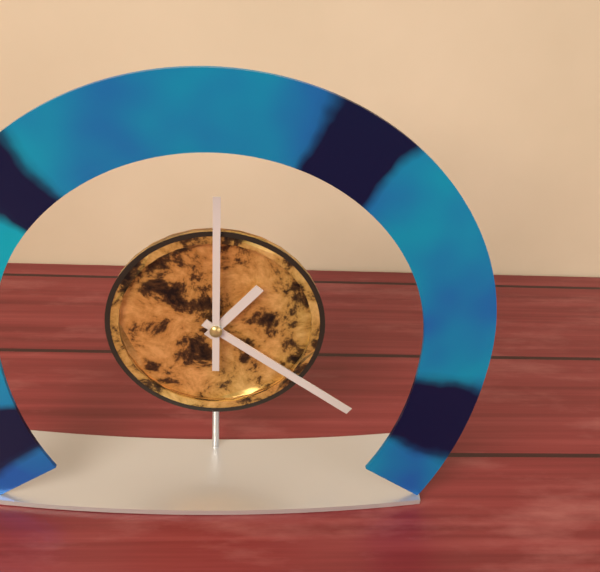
1h21m00s
